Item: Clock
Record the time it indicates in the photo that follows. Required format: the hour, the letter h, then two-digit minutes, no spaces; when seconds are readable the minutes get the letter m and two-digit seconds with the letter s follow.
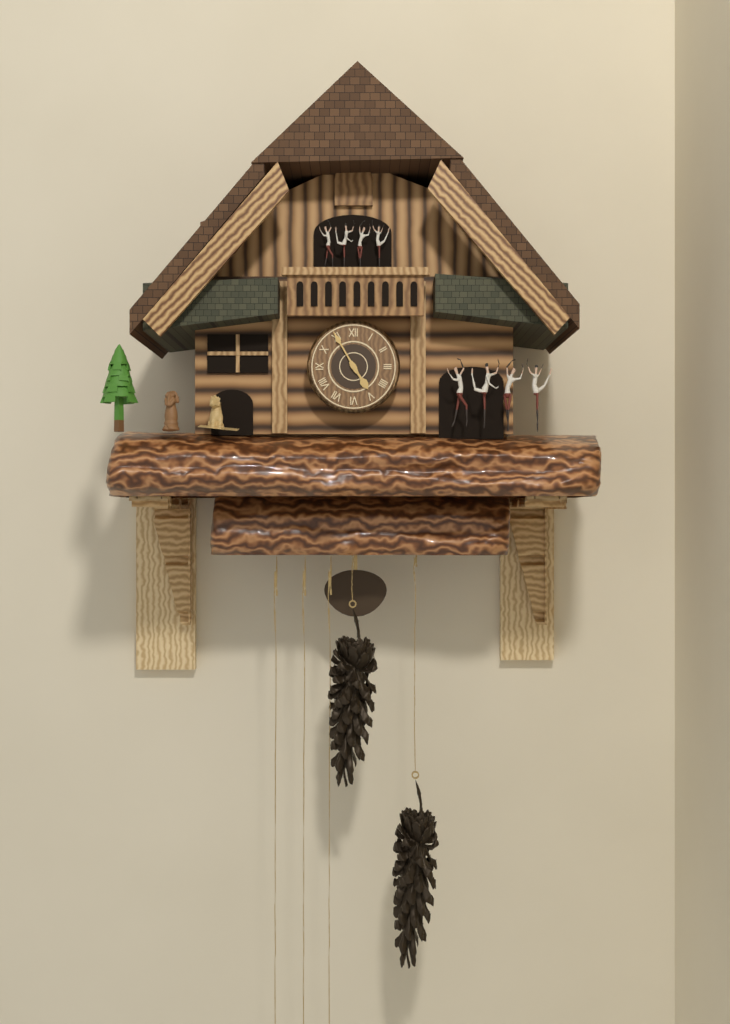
4h55
